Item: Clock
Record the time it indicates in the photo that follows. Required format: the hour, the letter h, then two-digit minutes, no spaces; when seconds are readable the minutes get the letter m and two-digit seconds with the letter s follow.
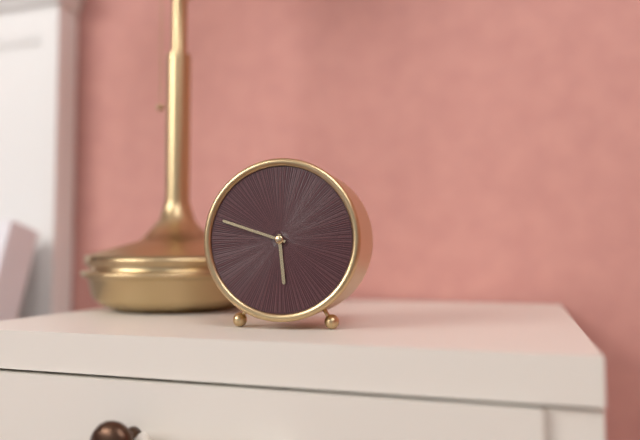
5h48
